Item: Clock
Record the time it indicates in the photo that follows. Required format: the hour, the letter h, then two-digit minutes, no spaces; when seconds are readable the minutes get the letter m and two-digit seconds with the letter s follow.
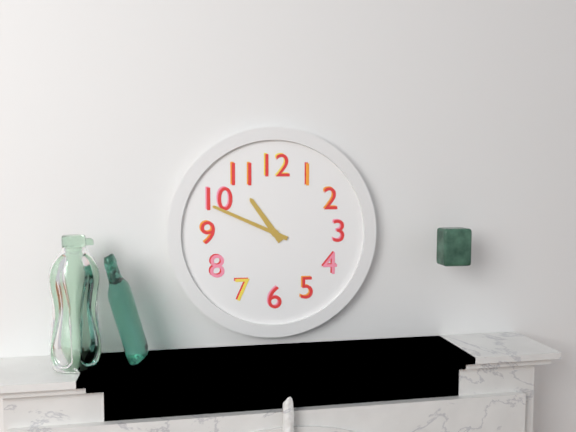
10h49
